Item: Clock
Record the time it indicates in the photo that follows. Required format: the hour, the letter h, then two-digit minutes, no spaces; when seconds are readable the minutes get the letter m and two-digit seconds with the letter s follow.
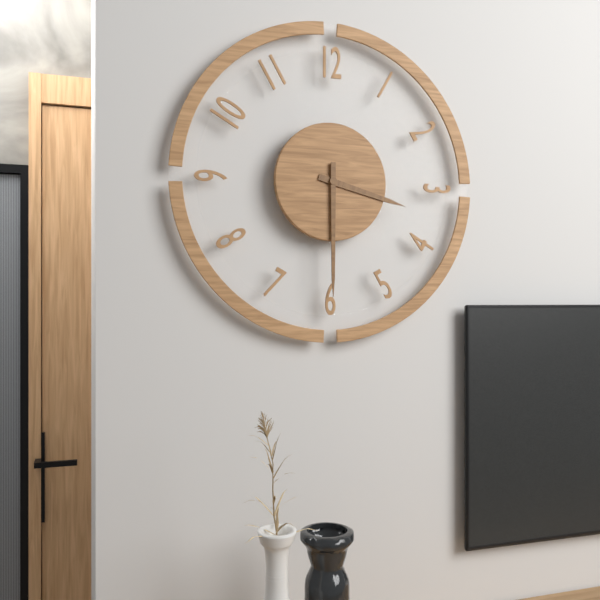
3h30
